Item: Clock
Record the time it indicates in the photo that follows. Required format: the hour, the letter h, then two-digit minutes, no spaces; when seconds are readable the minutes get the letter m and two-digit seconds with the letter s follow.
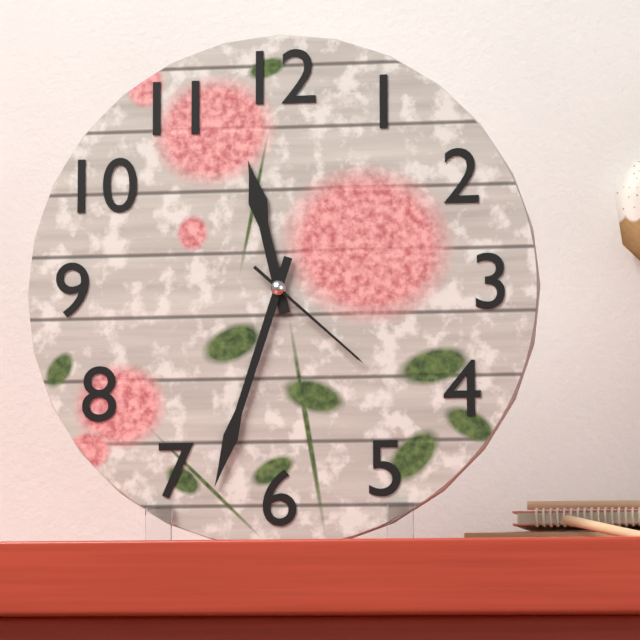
11h33m22s
